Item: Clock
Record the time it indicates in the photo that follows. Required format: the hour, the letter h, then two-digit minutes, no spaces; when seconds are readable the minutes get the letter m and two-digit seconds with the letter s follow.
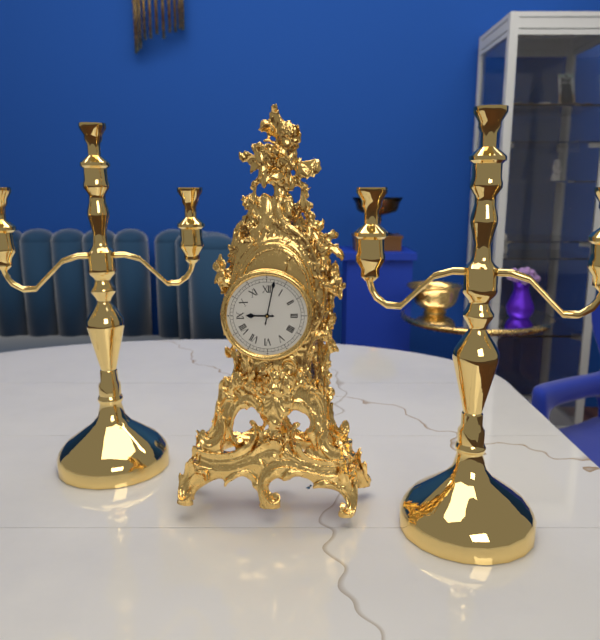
9h02
